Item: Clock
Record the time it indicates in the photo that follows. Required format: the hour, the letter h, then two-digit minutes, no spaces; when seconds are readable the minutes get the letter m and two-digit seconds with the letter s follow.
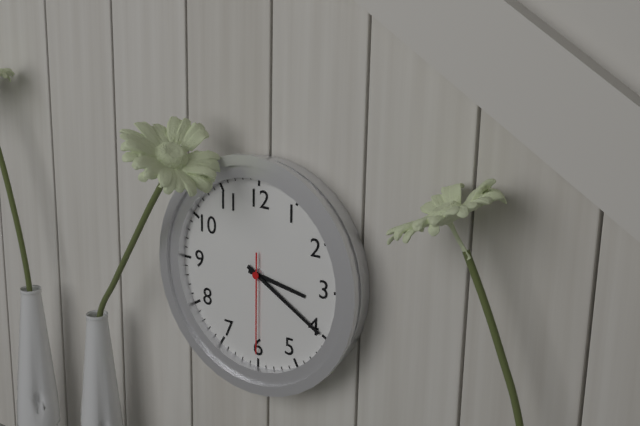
3h20m30s
